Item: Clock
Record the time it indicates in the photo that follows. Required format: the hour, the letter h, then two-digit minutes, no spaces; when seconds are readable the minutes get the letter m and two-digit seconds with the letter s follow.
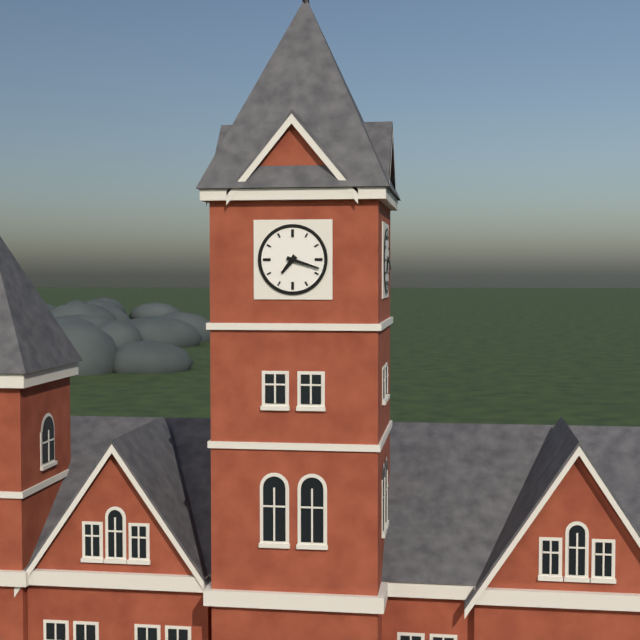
7h18
